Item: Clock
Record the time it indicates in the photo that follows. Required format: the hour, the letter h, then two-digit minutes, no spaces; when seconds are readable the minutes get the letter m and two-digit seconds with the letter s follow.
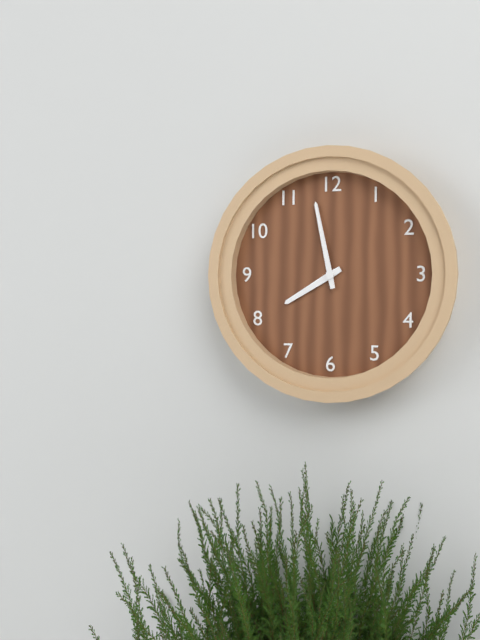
7h58
